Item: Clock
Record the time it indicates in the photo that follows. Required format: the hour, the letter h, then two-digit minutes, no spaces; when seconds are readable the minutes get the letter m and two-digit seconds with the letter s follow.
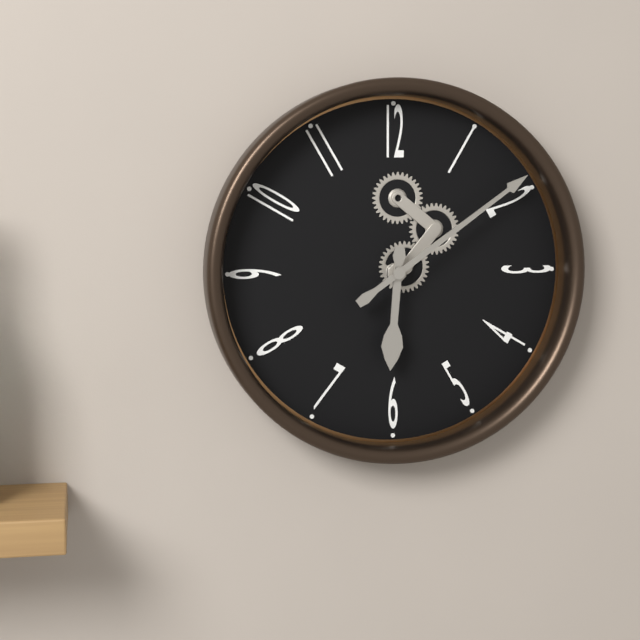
6h09
